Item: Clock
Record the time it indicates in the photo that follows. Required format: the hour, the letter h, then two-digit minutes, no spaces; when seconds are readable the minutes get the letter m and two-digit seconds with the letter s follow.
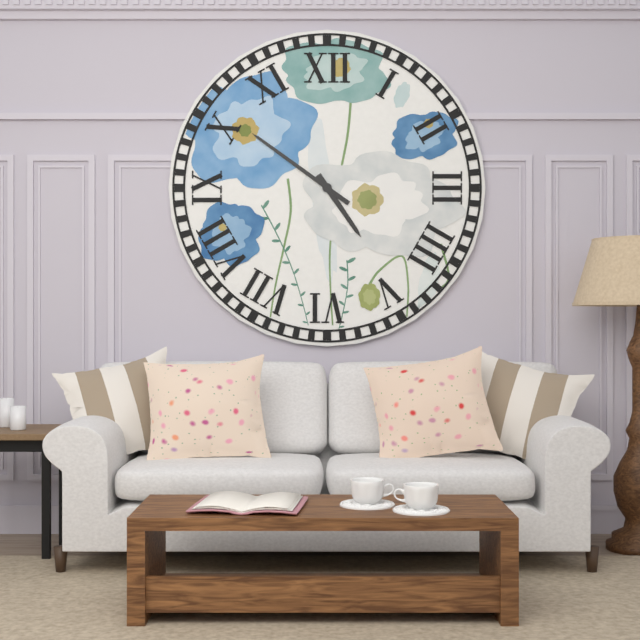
4h51
